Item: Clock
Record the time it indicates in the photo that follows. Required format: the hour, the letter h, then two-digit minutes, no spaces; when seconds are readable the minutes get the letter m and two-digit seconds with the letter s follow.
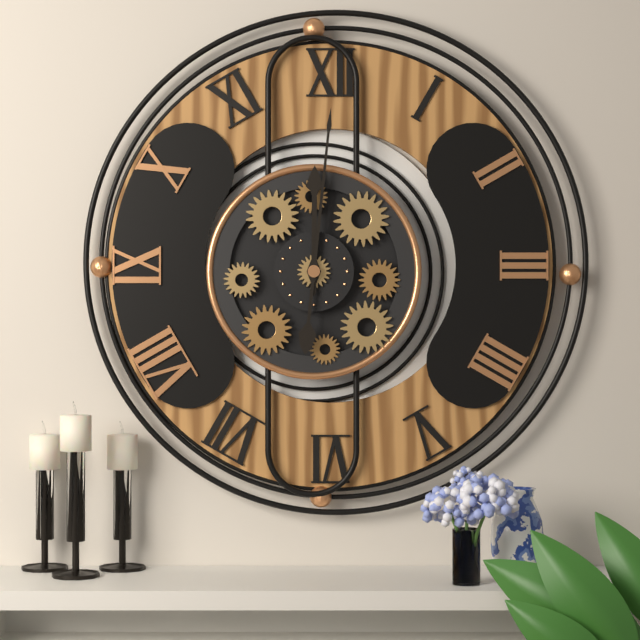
12h01
